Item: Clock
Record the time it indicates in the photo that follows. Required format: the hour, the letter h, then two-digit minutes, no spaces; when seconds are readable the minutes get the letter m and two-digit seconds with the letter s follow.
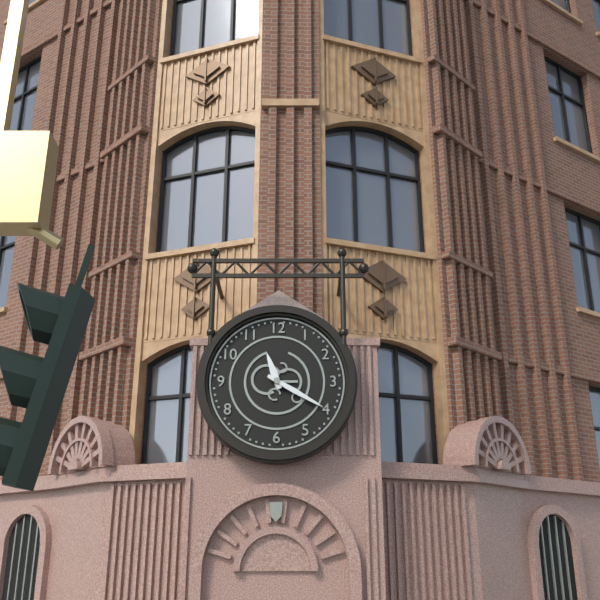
11h20
